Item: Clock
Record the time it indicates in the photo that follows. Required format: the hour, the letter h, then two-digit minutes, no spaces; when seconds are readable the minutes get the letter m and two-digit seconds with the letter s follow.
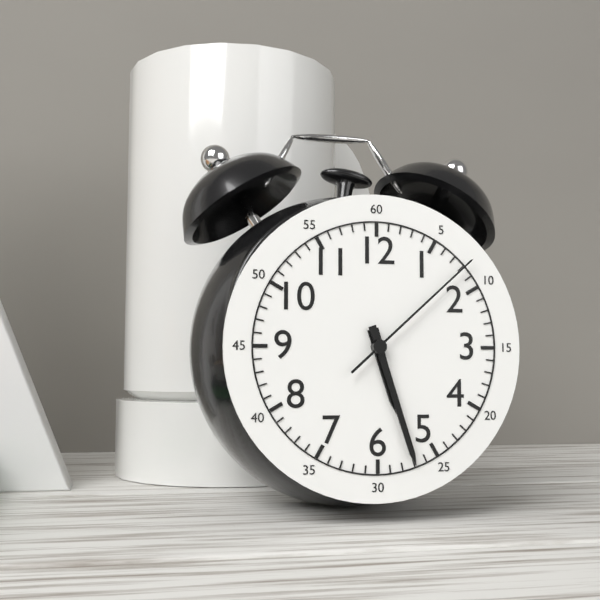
5h27m08s
